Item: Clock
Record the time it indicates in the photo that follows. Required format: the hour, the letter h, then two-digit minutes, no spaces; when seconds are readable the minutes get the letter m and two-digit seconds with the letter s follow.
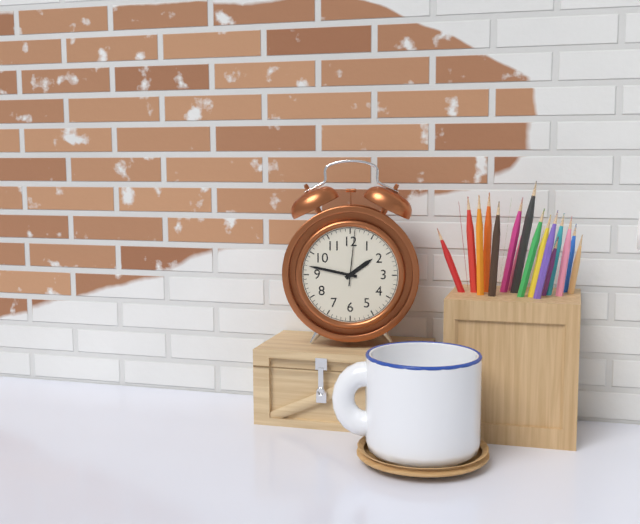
1h47m01s
